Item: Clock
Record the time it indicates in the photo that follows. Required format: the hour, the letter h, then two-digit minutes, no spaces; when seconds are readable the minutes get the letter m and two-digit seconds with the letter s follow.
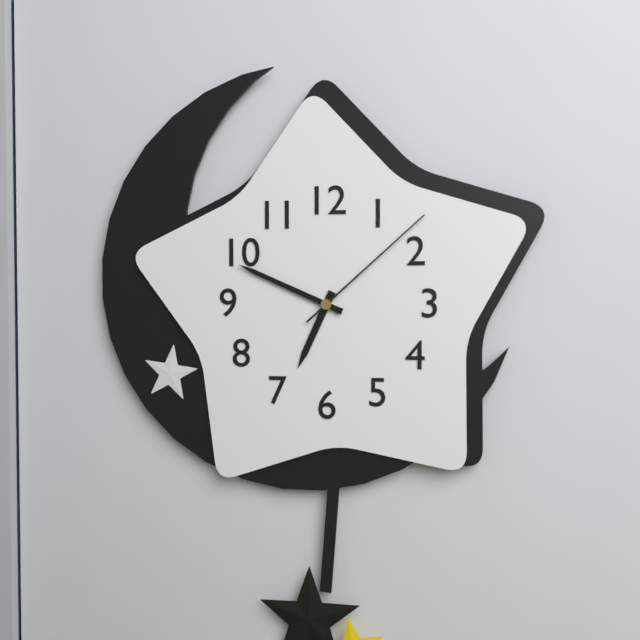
6h49m08s
